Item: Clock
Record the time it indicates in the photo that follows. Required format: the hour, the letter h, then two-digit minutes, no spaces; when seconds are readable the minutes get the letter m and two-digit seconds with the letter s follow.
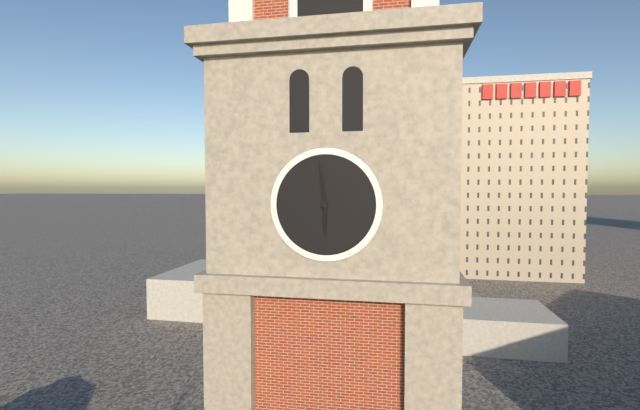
5h59
